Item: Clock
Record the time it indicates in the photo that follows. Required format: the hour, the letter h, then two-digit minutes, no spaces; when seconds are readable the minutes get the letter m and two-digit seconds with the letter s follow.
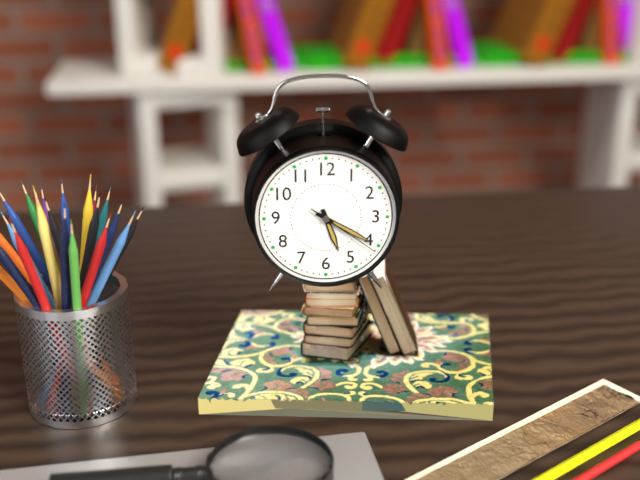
5h20m21s
